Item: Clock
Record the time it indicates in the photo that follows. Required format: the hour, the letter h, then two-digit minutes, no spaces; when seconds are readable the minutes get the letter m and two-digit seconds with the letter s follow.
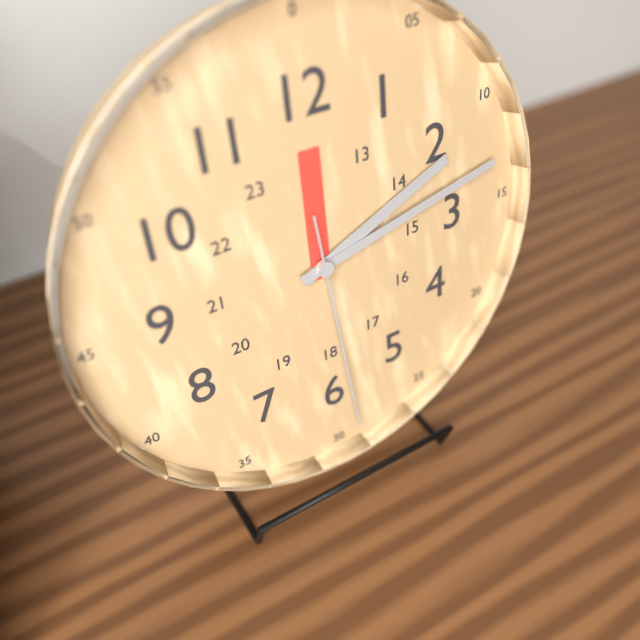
2h13m29s
